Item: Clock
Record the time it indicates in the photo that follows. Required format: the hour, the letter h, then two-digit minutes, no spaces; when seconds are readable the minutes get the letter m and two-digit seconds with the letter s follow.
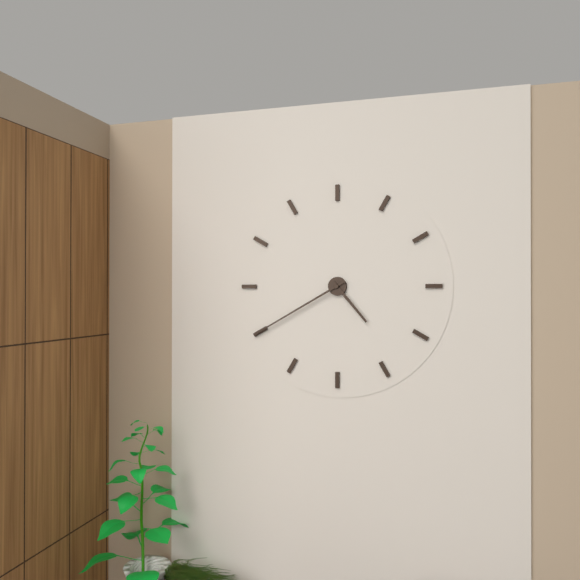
4h40
